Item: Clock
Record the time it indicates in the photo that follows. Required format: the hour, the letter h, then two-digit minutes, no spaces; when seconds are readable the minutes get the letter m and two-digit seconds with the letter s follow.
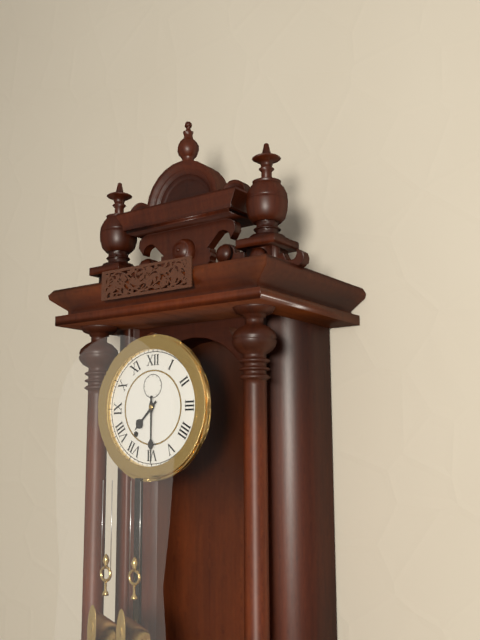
7h30
